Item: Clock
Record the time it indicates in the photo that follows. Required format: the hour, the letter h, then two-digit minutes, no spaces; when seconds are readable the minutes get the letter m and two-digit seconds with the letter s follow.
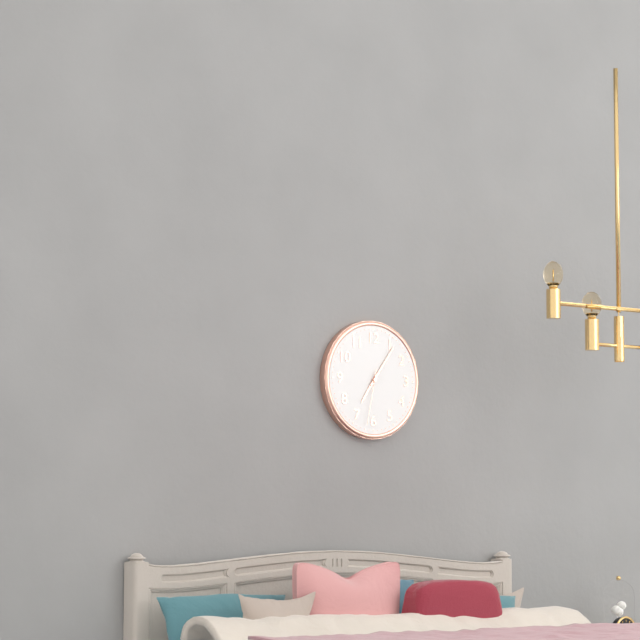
7h06m32s
